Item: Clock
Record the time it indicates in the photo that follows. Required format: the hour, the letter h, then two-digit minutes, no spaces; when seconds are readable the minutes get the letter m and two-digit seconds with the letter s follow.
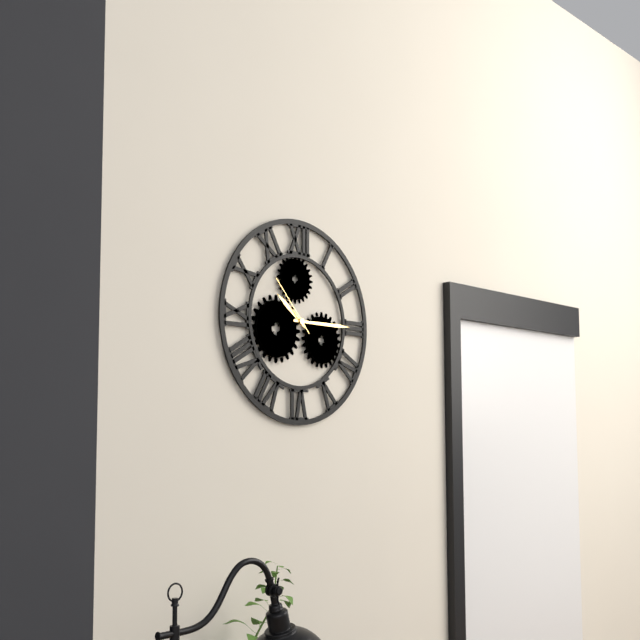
10h15m53s
